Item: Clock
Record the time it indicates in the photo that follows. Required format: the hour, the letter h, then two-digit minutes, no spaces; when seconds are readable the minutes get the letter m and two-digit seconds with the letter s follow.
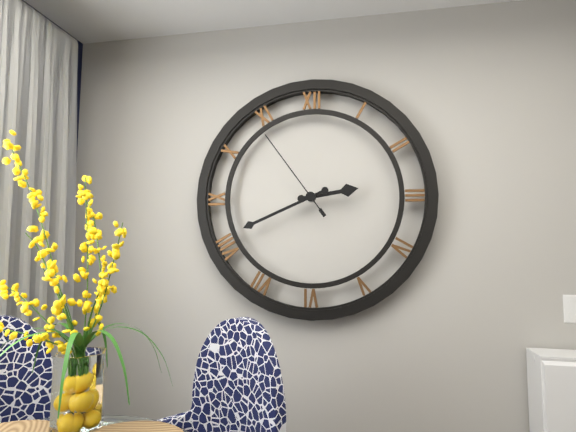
2h41m54s
